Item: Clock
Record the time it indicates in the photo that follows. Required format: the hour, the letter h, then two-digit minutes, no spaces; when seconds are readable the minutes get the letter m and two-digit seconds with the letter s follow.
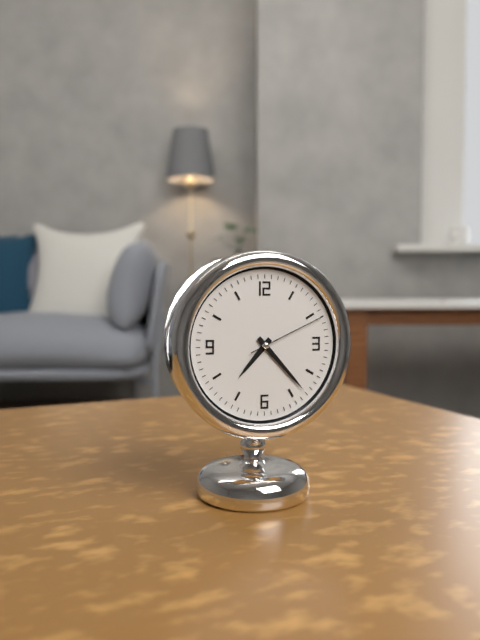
7h23m11s
